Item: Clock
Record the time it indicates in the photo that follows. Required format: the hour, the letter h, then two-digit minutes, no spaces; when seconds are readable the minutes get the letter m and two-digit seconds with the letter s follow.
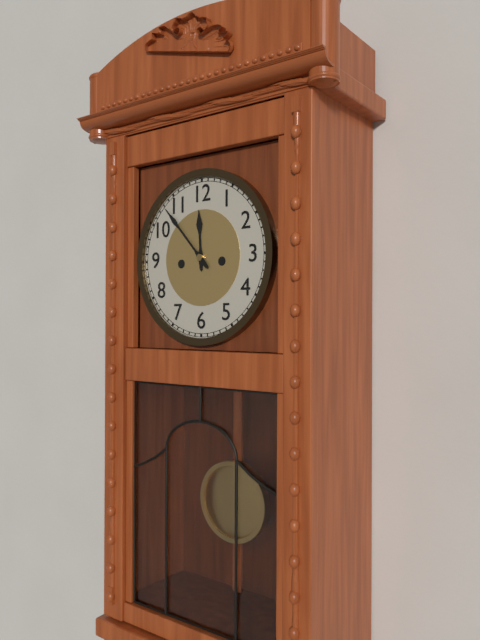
11h53
